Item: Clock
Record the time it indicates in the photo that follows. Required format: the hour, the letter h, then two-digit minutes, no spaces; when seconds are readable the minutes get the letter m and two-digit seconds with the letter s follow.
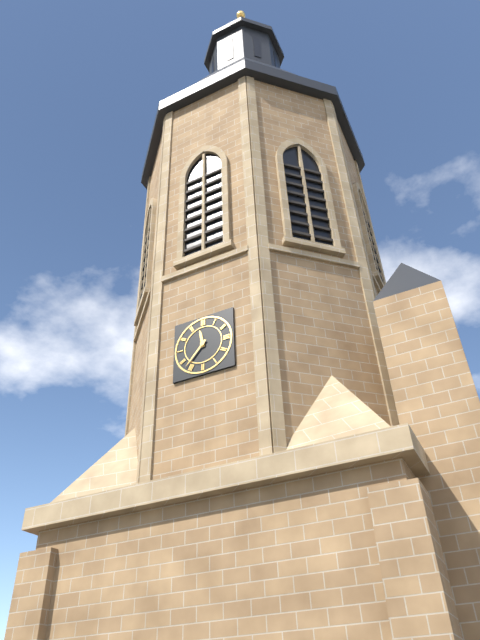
11h37
